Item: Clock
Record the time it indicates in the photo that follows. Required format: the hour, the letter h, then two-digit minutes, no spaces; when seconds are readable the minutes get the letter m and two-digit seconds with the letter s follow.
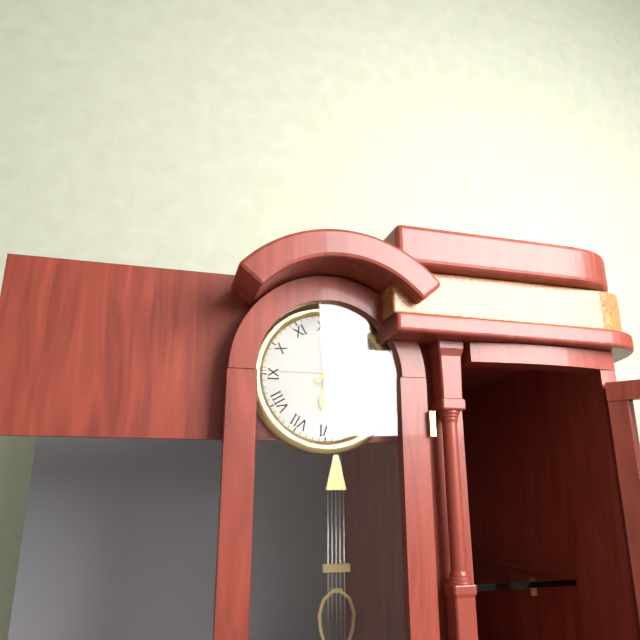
6h11
